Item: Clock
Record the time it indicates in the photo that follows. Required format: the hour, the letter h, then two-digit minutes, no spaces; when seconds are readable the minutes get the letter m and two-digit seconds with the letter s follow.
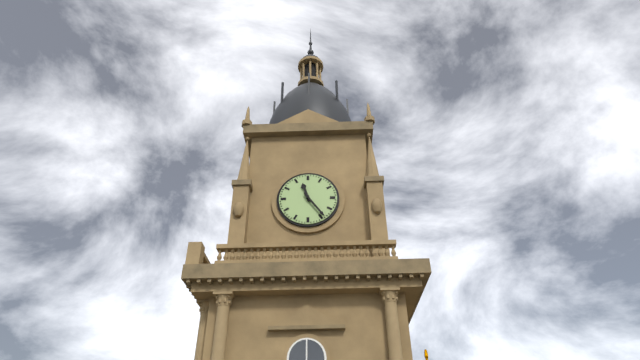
11h24
